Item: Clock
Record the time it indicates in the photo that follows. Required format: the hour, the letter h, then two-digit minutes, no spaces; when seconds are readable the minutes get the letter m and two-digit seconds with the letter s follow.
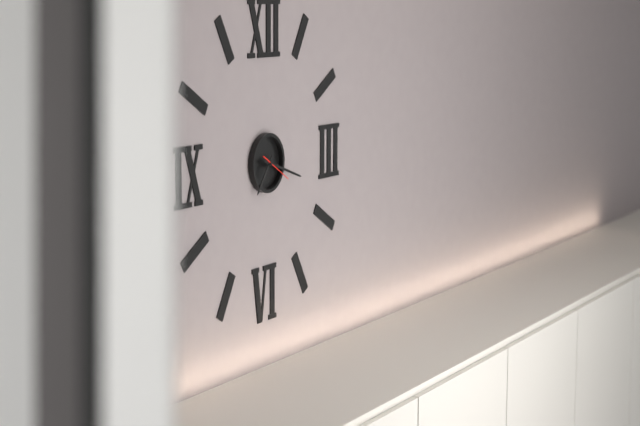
7h18
